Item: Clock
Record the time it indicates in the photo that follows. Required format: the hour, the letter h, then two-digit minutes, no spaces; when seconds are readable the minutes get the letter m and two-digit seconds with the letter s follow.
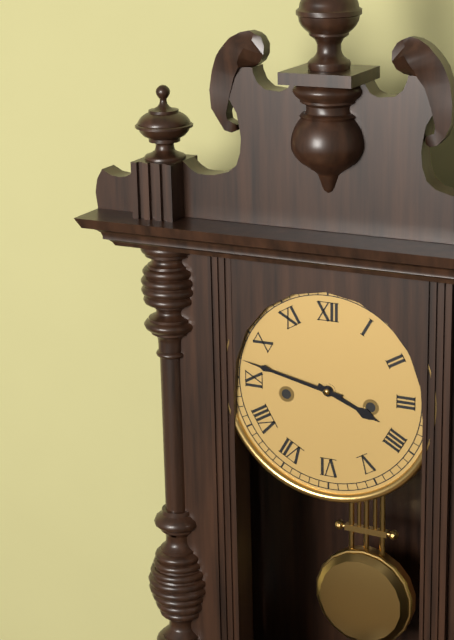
3h47
